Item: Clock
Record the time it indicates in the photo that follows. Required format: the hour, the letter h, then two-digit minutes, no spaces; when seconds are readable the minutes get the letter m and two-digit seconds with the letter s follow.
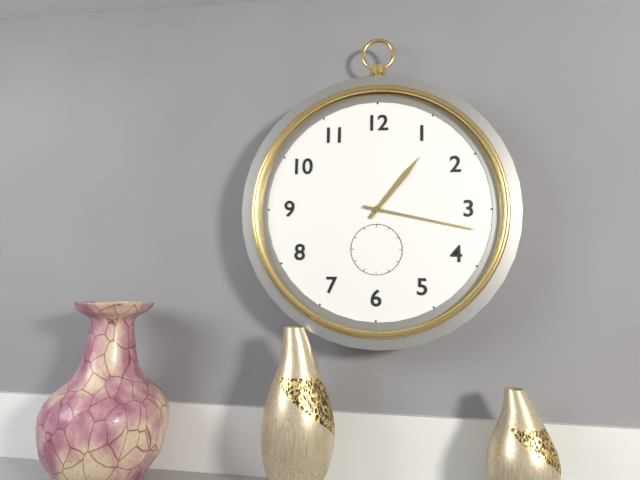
1h17
